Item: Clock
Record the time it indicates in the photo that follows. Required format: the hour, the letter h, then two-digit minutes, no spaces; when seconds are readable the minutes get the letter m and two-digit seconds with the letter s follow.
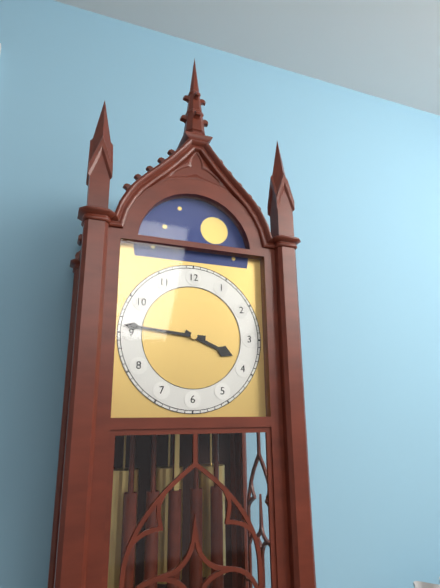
3h46
